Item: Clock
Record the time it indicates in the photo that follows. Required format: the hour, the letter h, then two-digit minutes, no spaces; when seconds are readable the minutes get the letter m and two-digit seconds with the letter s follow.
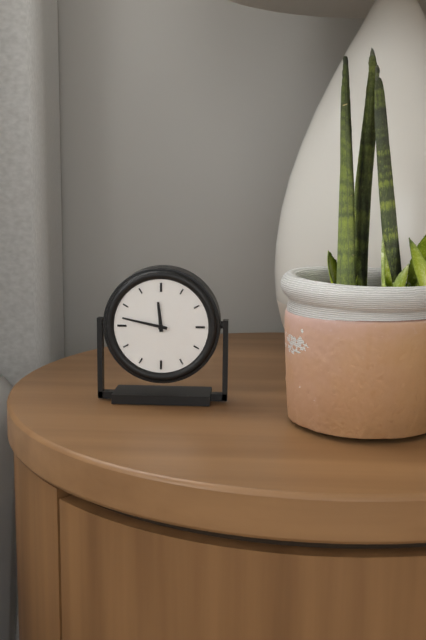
11h47
